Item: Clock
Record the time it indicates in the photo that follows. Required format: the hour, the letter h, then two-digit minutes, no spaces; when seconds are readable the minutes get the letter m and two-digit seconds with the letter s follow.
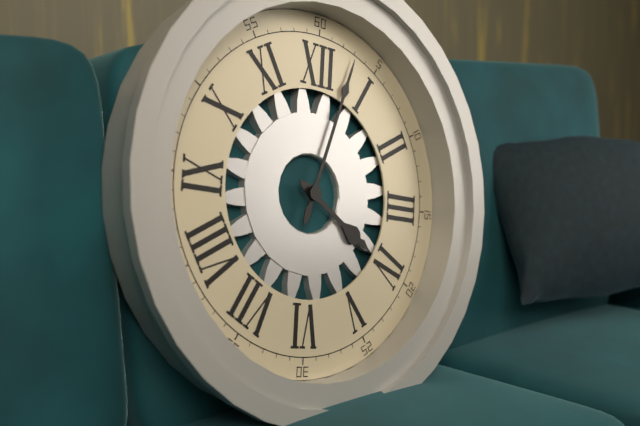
4h03
